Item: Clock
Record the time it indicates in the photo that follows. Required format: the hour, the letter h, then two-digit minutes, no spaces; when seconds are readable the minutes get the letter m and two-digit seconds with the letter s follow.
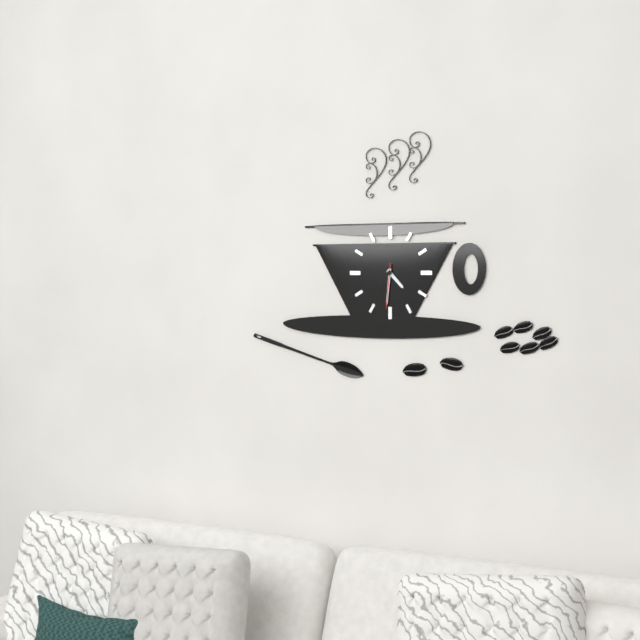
4h31
